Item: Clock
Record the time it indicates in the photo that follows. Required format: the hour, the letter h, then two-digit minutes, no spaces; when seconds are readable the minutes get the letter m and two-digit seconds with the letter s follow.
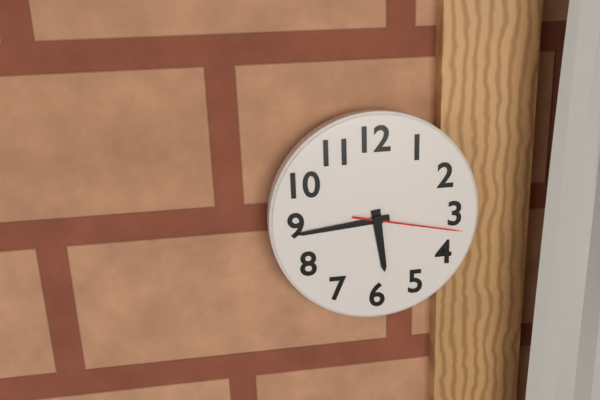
5h44m17s
